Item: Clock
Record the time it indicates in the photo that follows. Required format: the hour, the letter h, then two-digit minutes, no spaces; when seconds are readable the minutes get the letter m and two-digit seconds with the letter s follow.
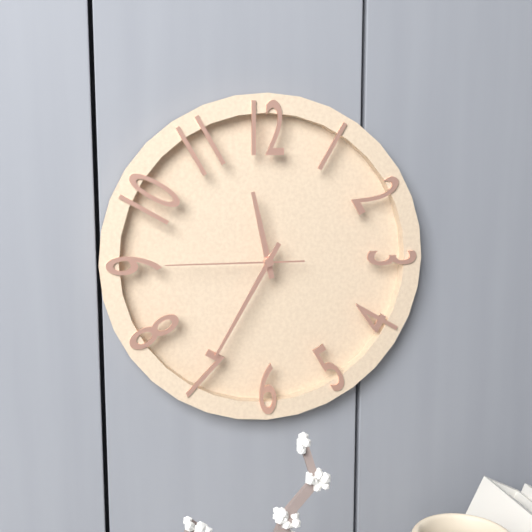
11h35m45s
